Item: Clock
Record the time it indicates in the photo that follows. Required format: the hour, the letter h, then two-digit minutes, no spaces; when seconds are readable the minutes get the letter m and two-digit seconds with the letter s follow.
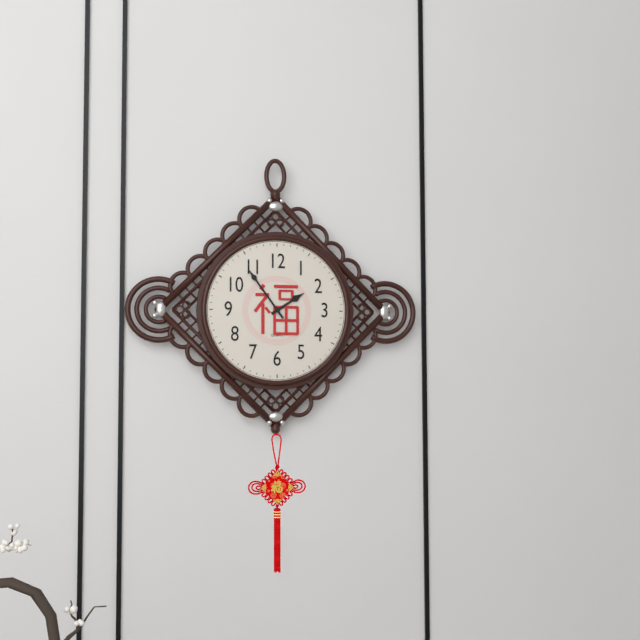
1h54
